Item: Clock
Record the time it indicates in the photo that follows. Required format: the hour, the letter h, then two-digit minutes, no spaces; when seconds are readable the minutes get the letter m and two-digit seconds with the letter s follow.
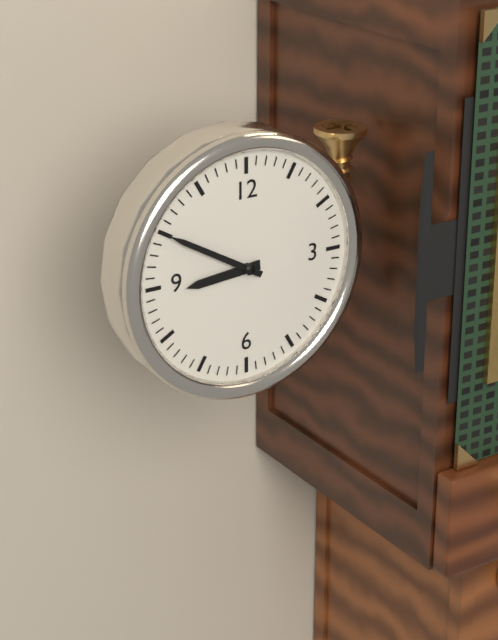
8h50
